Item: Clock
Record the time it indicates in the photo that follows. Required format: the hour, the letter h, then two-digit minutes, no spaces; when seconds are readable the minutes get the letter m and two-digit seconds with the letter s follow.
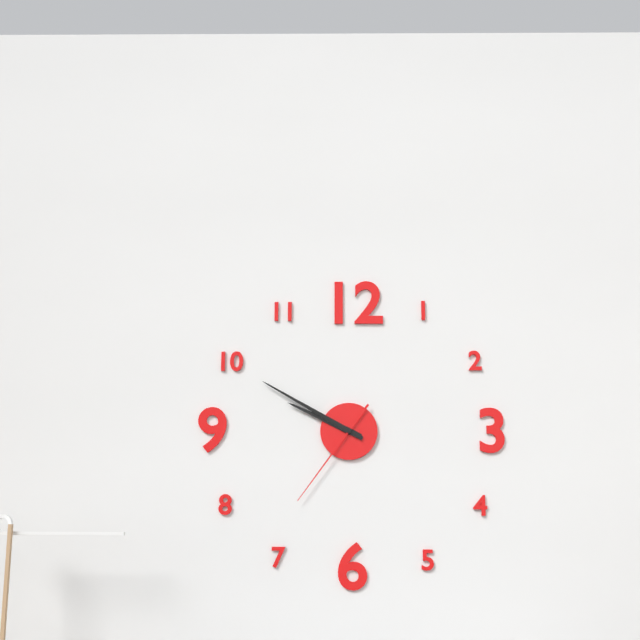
9h50m36s
